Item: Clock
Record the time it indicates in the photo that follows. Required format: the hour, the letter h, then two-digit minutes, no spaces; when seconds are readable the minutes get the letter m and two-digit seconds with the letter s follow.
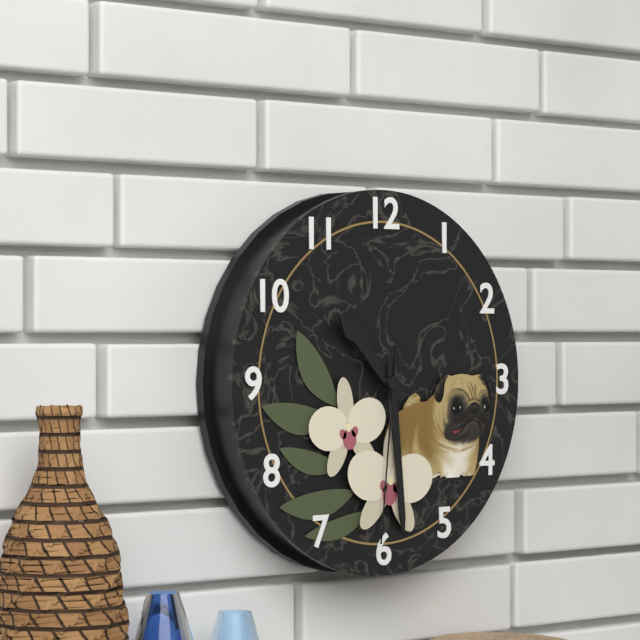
10h29m31s
